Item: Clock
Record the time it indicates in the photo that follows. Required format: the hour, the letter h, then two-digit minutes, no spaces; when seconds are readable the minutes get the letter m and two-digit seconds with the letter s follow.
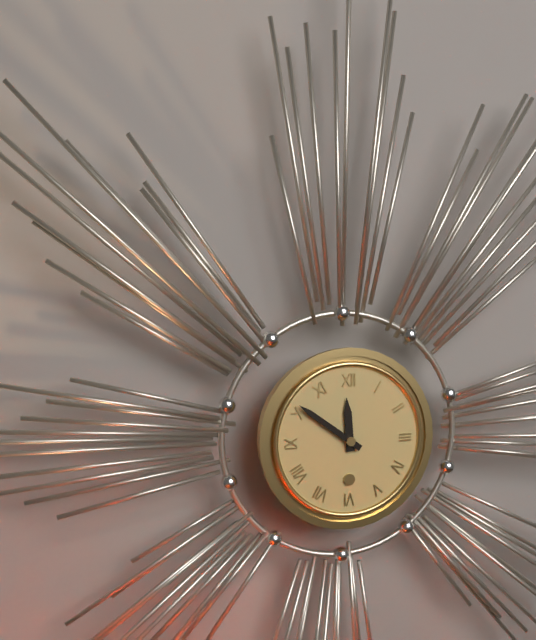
11h51
